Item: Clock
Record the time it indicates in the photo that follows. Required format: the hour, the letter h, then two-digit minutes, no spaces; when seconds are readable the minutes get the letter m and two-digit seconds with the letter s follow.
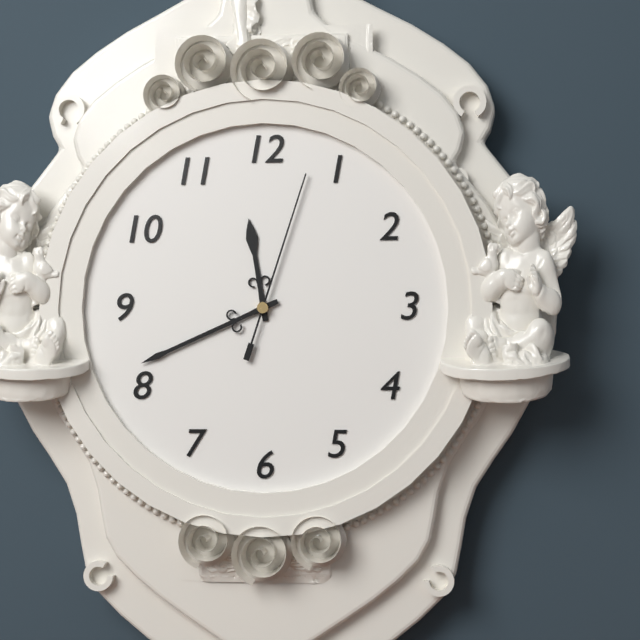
11h41m03s
